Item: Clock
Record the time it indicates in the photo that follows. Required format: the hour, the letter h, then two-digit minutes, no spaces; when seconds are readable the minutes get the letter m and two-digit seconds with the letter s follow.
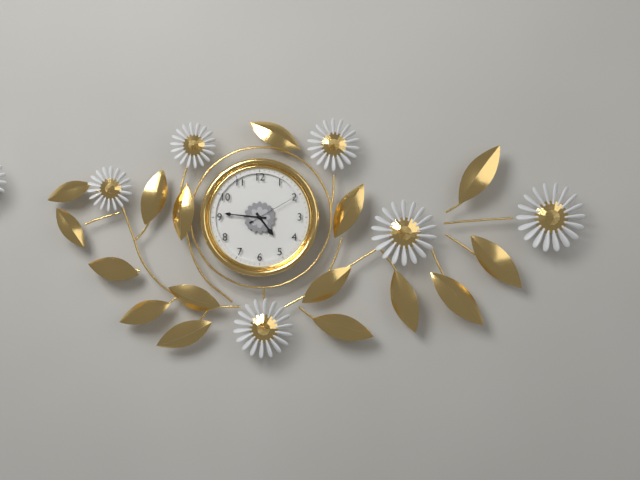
4h46m10s
